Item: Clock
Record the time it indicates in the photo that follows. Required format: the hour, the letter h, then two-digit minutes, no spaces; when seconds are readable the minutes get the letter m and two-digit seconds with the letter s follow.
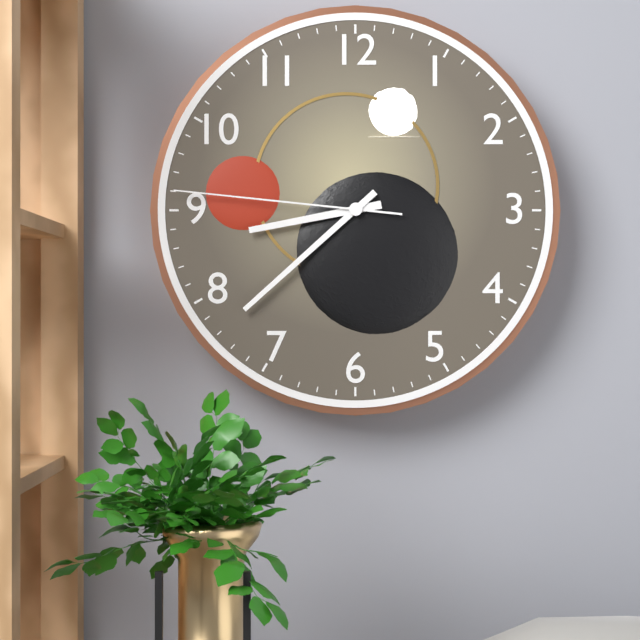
8h38m46s
